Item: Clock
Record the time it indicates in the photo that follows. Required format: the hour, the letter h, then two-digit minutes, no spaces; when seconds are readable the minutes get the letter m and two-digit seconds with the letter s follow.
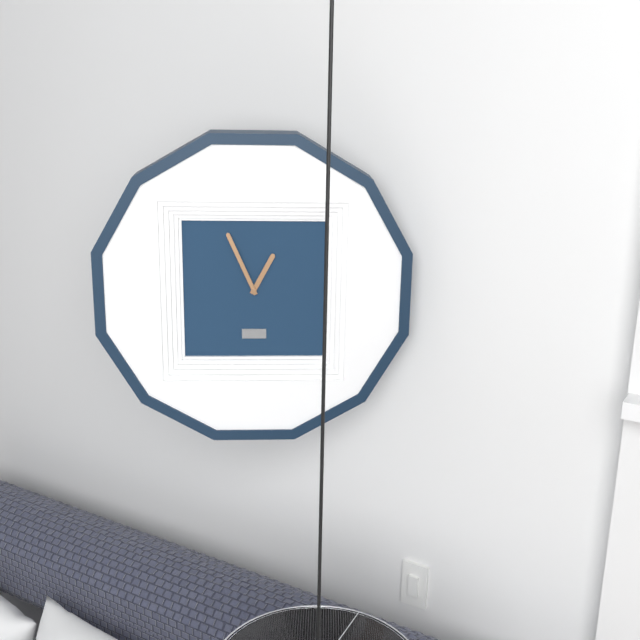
12h56
